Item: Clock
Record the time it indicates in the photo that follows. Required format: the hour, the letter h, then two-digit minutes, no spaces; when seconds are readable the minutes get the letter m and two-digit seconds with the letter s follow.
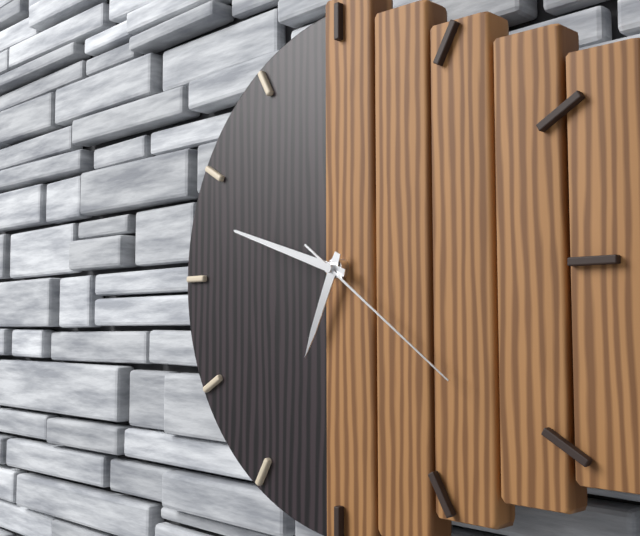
6h48m21s
